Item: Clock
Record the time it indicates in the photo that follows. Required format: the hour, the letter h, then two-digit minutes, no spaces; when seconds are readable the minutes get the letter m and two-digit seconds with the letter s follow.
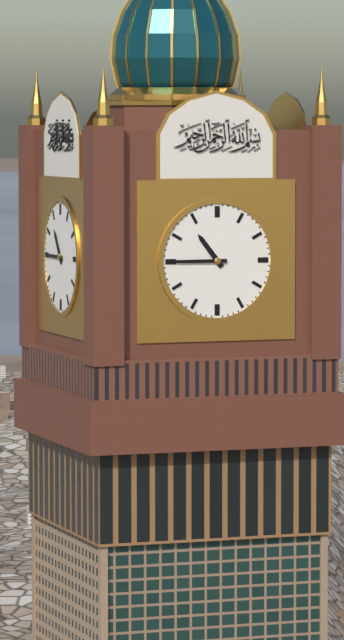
10h45
